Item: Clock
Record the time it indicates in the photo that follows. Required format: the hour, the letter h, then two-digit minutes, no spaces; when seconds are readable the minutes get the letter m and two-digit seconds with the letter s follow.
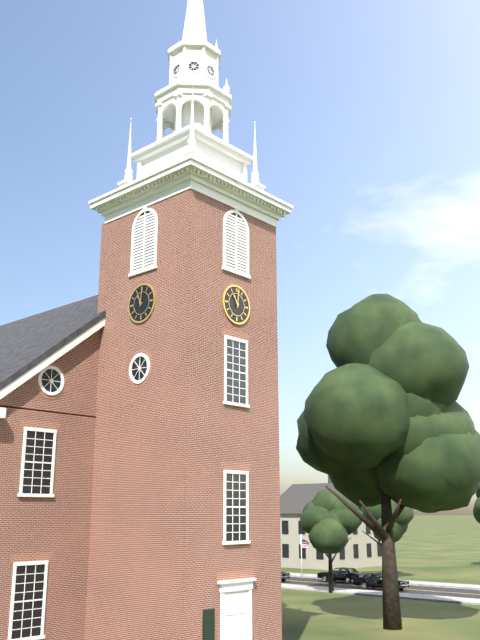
11h01
